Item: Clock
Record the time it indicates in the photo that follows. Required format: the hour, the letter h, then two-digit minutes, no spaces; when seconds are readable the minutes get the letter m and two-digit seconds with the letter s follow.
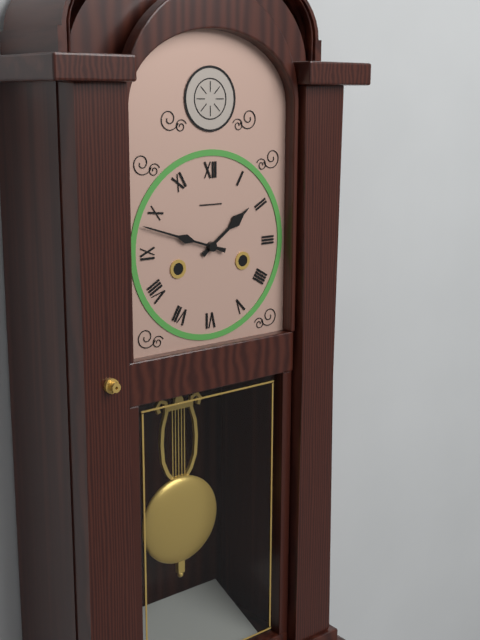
1h48
